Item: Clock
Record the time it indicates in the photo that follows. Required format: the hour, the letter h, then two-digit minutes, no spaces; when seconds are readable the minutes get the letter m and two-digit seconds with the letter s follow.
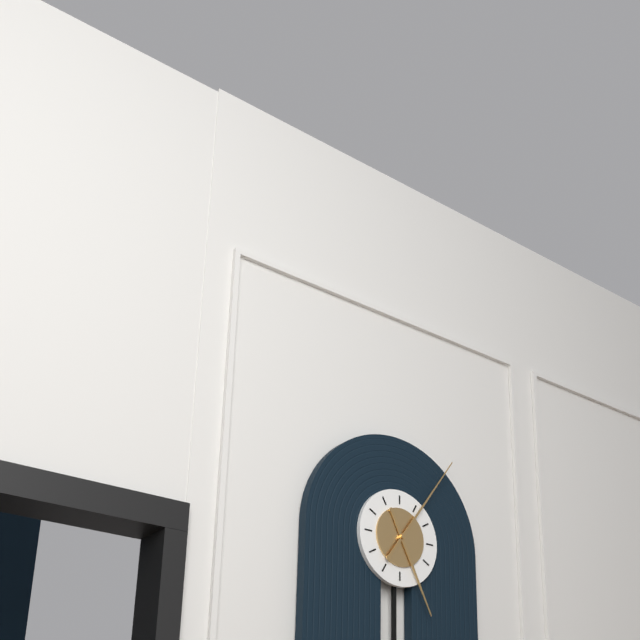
5h06
